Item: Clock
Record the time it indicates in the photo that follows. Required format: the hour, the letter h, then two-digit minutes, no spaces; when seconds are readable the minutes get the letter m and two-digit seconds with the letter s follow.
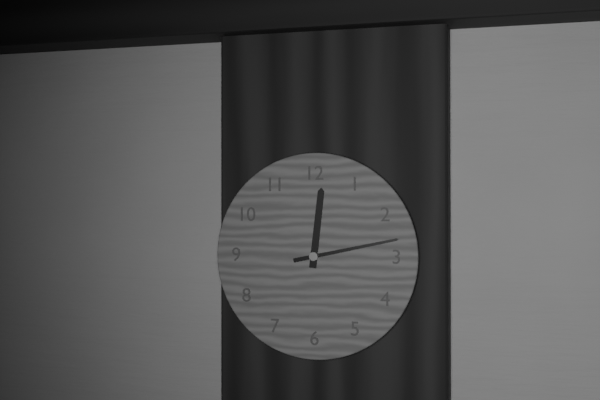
12h13
